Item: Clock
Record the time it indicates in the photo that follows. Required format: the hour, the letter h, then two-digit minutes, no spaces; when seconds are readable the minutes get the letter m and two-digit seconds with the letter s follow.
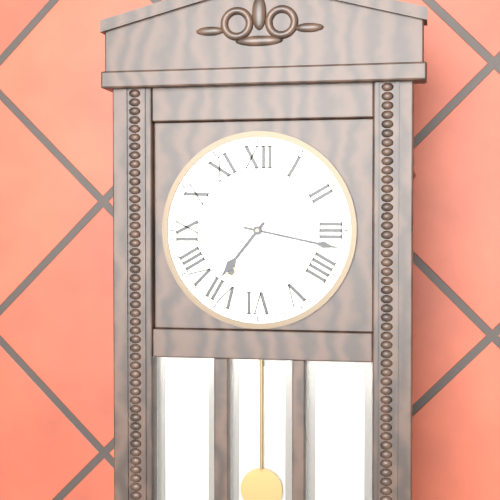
7h17
